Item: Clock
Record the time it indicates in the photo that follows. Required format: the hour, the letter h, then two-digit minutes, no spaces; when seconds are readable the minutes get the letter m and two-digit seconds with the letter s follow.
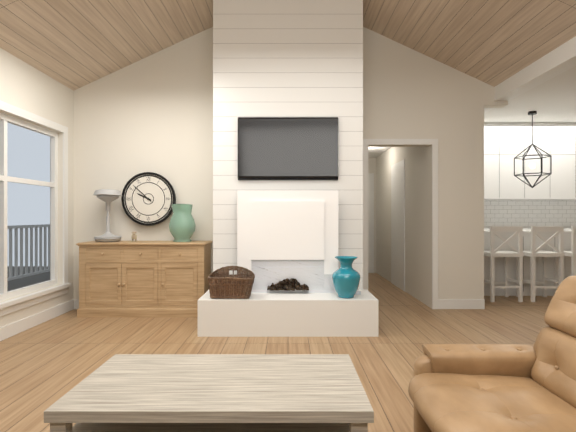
9h52
